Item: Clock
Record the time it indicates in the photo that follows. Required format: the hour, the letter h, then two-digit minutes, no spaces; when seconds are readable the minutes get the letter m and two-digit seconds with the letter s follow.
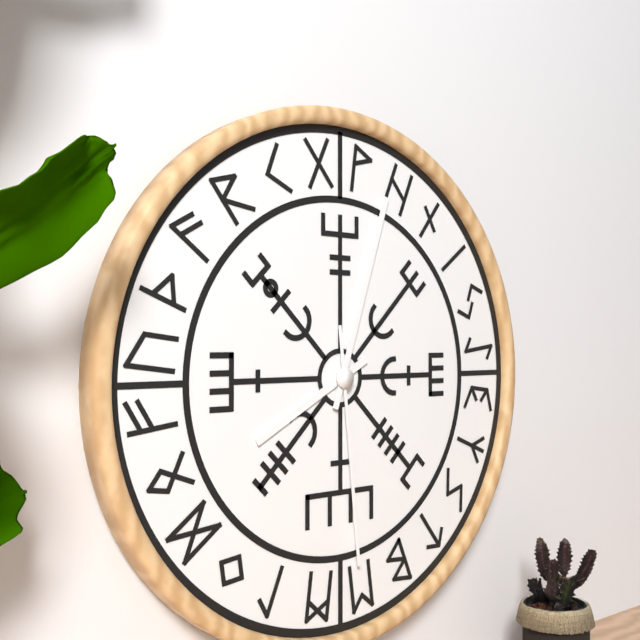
8h03m29s
